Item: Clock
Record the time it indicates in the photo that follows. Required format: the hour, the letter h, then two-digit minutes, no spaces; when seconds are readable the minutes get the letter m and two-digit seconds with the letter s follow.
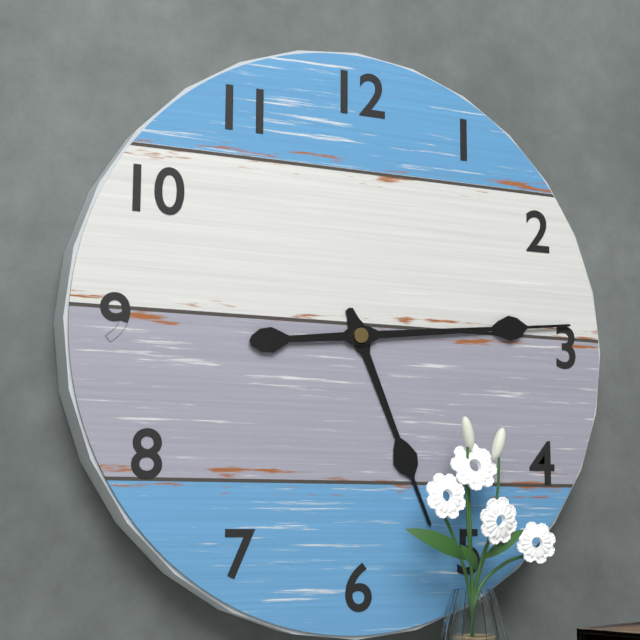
5h14
